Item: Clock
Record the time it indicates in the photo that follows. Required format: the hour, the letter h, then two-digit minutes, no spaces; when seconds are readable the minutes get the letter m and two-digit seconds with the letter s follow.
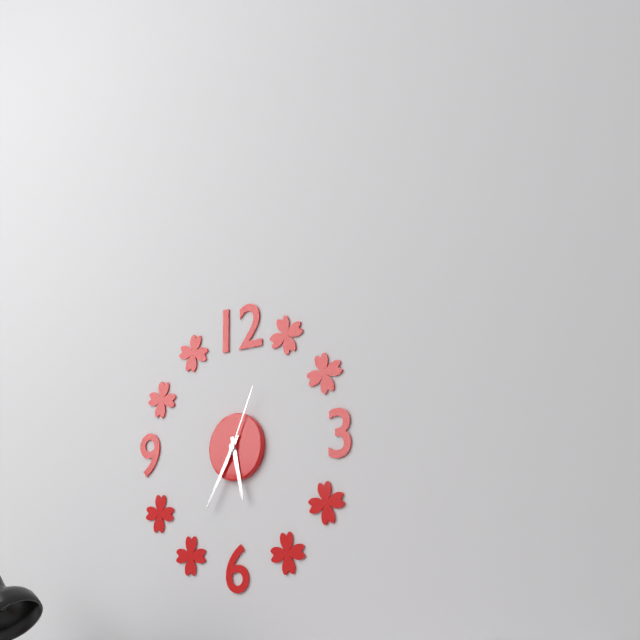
5h35m04s
